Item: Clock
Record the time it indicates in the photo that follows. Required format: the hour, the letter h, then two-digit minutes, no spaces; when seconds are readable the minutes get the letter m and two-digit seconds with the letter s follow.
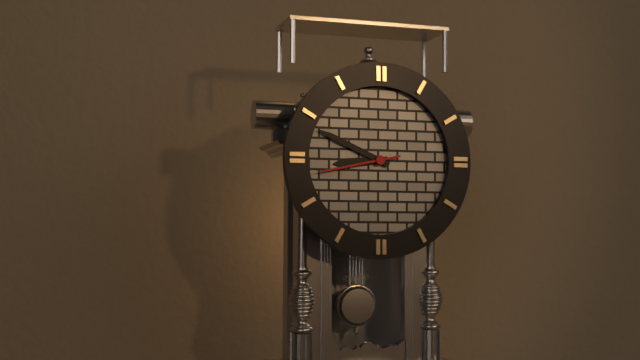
8h49m43s
